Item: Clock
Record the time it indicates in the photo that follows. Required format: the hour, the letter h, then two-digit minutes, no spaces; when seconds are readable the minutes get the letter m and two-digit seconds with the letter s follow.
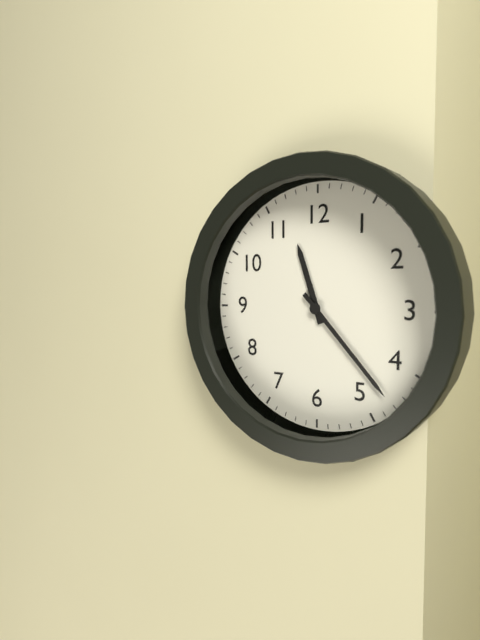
11h23
